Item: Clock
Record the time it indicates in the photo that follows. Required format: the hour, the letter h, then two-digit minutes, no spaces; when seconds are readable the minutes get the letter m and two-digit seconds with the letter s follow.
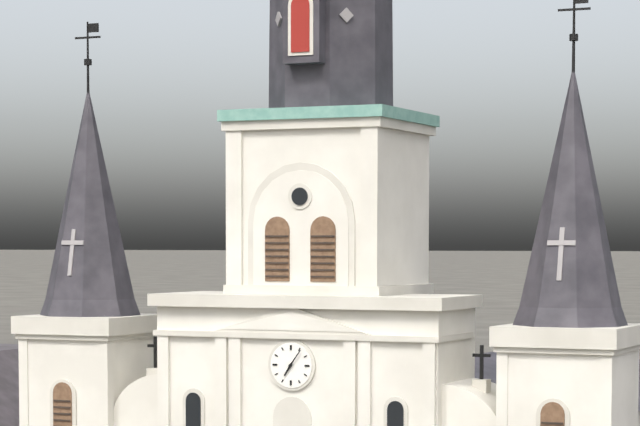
7h06
